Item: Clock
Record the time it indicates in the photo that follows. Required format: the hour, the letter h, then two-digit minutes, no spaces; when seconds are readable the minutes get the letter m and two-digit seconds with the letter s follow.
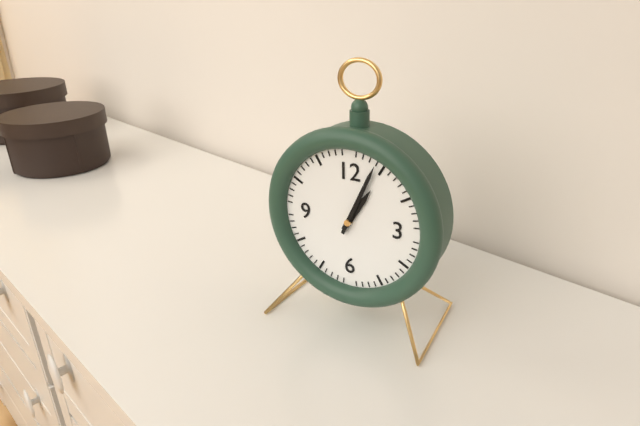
1h04
